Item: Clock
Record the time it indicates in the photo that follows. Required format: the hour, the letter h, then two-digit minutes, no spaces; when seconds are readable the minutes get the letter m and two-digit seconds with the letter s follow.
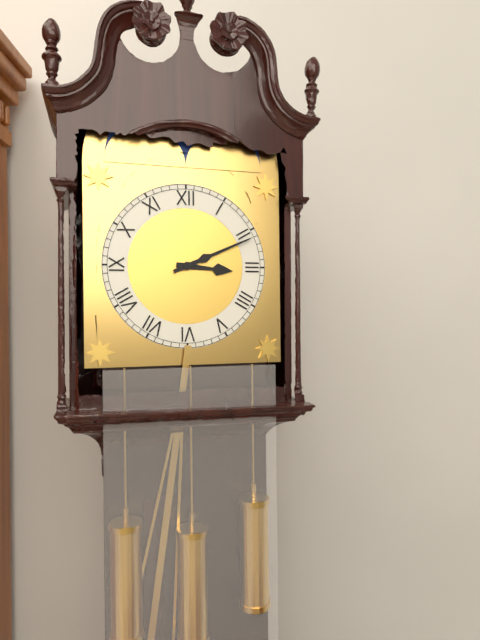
3h11
